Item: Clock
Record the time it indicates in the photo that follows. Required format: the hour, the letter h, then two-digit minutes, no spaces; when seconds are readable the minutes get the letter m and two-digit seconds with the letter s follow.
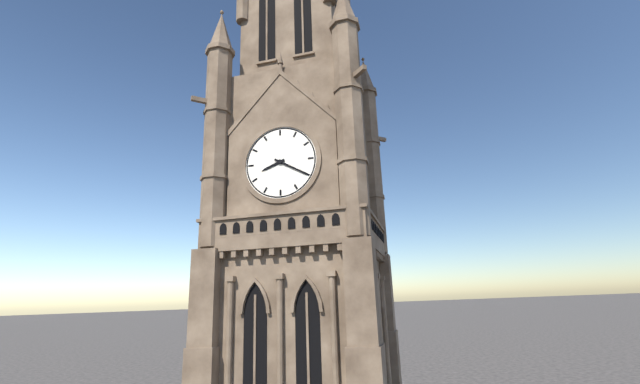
8h20
